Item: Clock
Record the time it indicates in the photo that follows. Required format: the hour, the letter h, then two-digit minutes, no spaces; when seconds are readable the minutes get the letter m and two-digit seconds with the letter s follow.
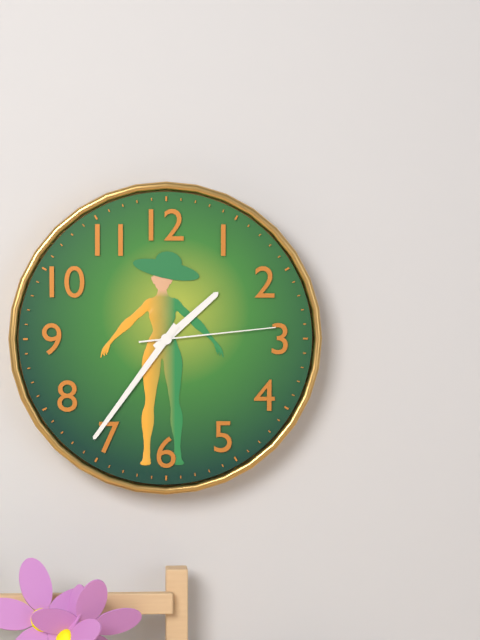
1h36m14s
